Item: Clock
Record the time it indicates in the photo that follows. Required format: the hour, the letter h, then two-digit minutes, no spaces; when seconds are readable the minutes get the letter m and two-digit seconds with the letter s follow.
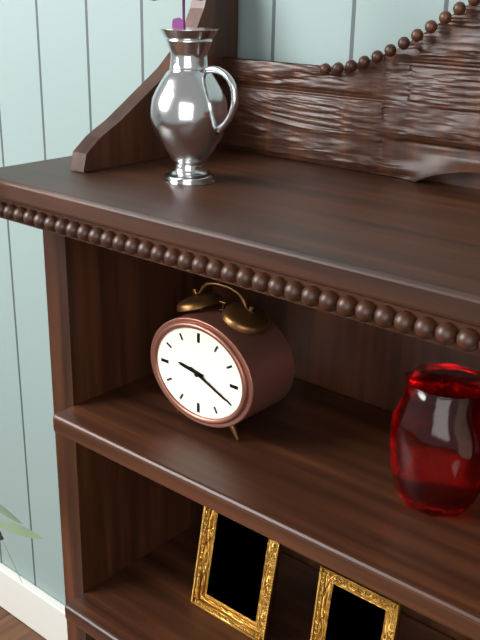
9h19
